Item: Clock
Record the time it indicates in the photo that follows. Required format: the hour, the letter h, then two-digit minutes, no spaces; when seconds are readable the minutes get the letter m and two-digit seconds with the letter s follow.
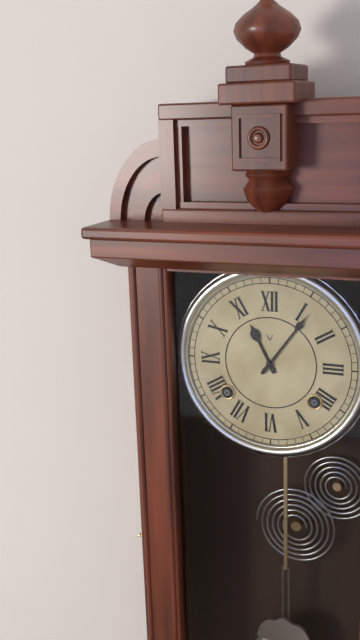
11h06
